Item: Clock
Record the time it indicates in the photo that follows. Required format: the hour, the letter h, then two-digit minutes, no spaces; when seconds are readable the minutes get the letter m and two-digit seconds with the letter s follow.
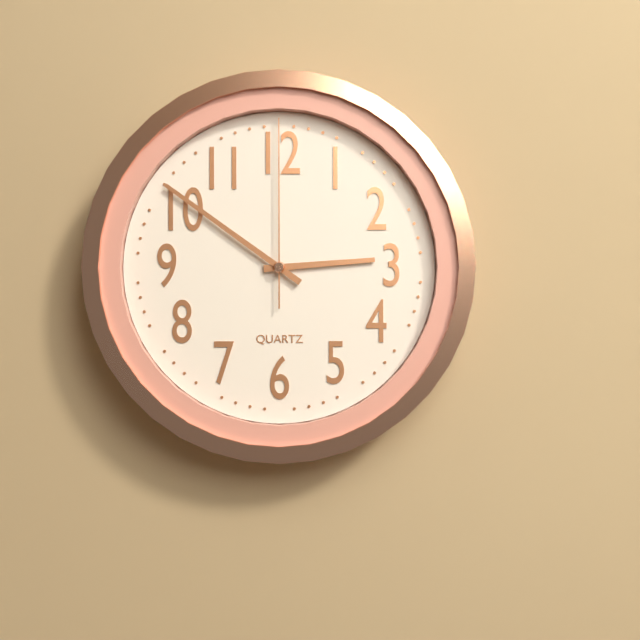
2h51m00s
